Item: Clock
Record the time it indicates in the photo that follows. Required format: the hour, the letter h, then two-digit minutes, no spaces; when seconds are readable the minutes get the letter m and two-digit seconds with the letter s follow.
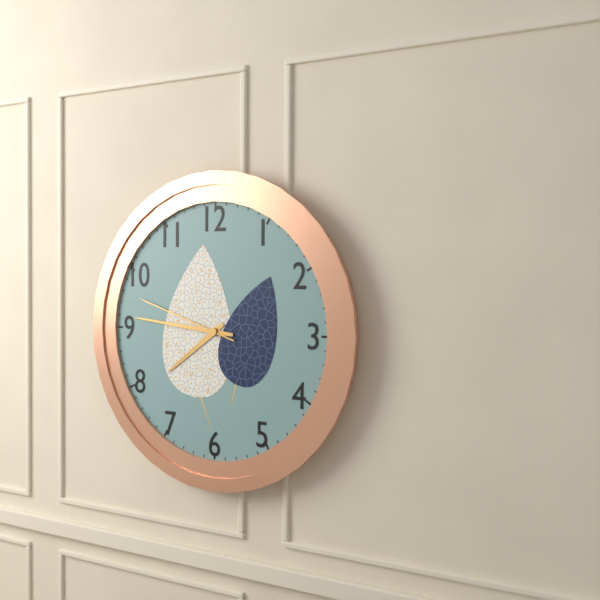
7h46m48s
